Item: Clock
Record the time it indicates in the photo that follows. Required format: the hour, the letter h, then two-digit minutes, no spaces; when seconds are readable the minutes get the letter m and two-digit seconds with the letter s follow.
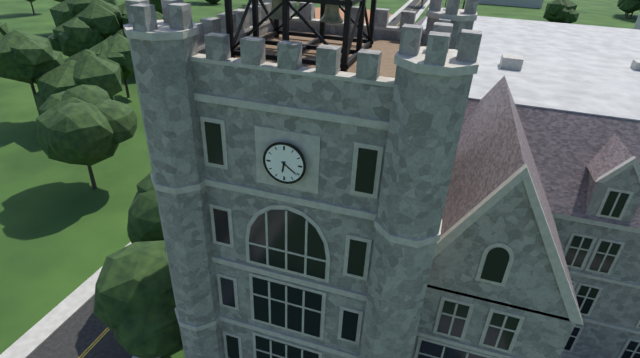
6h21
